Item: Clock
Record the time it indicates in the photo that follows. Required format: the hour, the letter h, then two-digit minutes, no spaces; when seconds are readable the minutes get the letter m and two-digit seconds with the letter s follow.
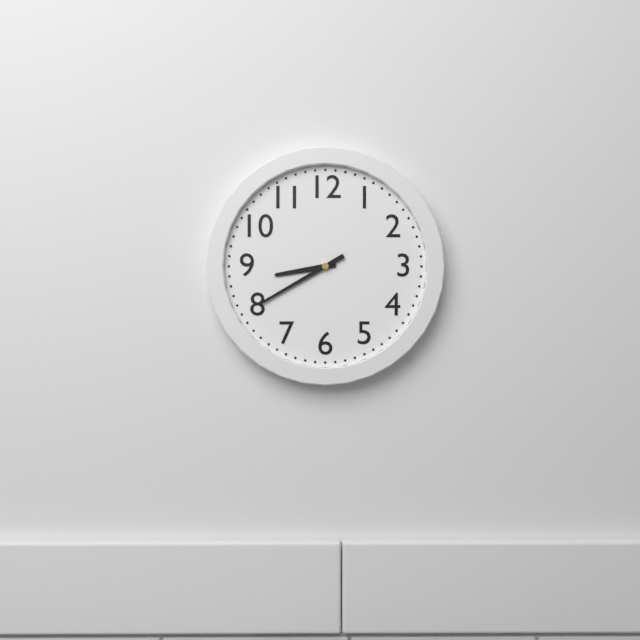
8h40
